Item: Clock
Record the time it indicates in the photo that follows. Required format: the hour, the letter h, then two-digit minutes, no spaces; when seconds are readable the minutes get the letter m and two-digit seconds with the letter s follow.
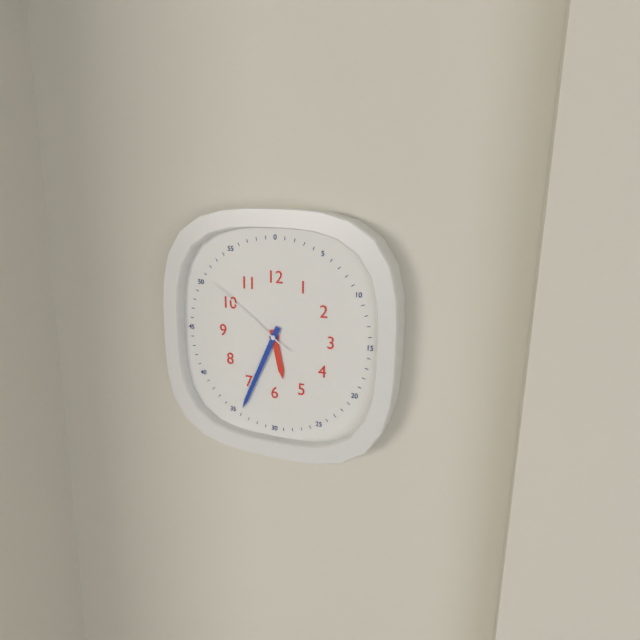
5h34m51s
